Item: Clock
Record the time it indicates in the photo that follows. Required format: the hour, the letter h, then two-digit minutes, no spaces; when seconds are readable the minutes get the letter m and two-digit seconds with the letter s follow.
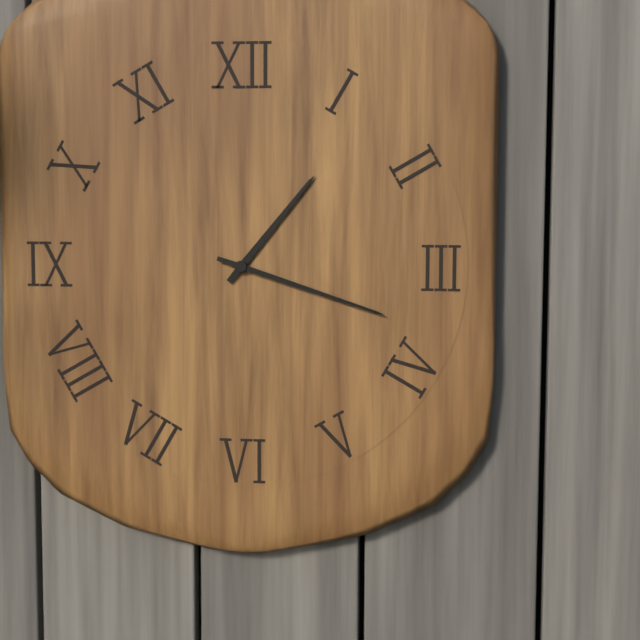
1h18
